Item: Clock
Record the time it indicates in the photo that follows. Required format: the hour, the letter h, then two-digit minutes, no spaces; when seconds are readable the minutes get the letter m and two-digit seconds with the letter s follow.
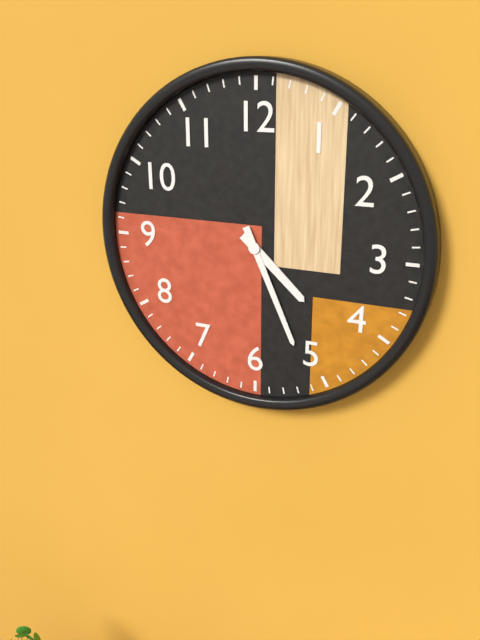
4h26
